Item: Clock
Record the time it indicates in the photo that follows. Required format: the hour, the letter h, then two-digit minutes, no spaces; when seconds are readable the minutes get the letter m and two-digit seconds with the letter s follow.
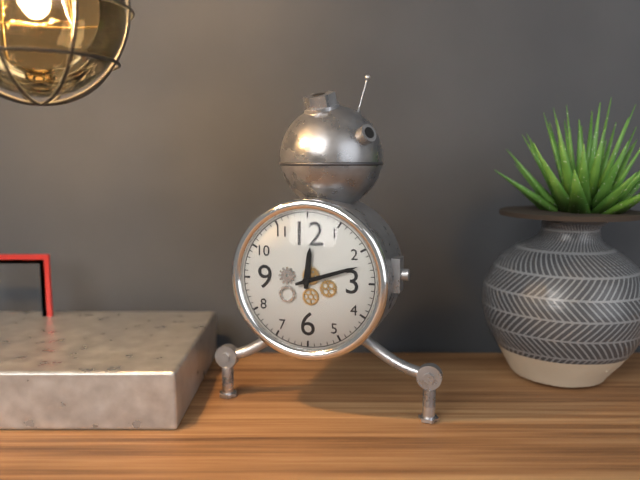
12h12
